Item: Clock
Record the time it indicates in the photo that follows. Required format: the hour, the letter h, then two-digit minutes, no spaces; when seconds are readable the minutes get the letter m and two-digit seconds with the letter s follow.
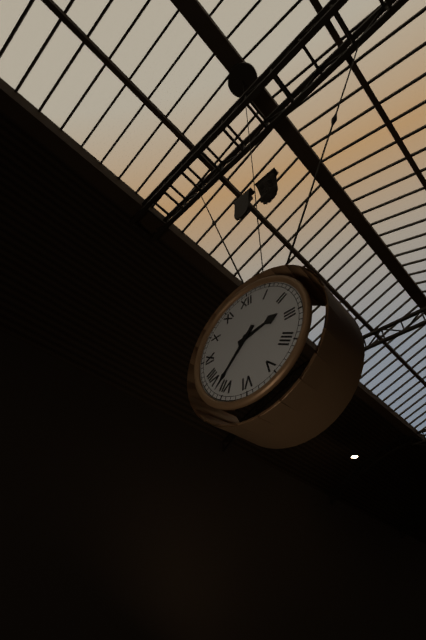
2h37
